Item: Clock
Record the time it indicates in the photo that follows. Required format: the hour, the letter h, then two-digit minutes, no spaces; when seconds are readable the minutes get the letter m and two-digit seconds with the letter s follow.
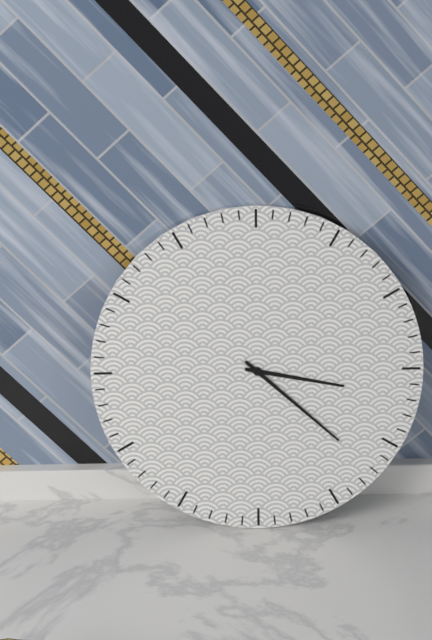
3h22
